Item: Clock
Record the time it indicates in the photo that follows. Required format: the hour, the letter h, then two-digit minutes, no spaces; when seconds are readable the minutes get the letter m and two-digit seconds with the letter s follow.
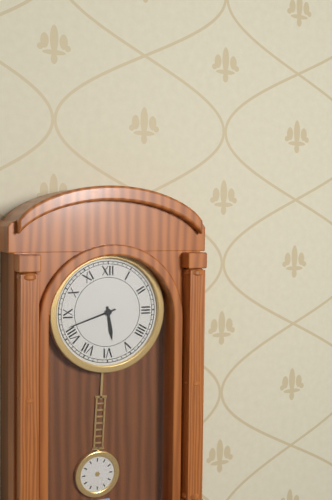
5h42
